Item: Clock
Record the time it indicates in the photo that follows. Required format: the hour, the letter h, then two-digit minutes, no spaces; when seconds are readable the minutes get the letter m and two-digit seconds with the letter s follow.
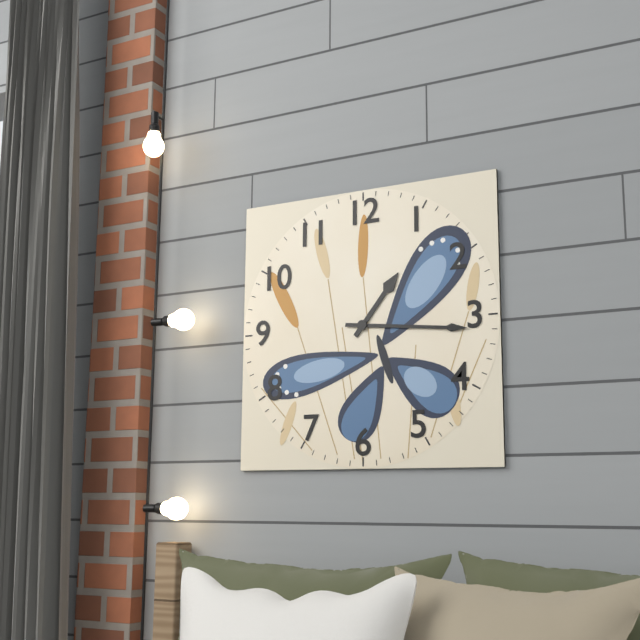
1h16
